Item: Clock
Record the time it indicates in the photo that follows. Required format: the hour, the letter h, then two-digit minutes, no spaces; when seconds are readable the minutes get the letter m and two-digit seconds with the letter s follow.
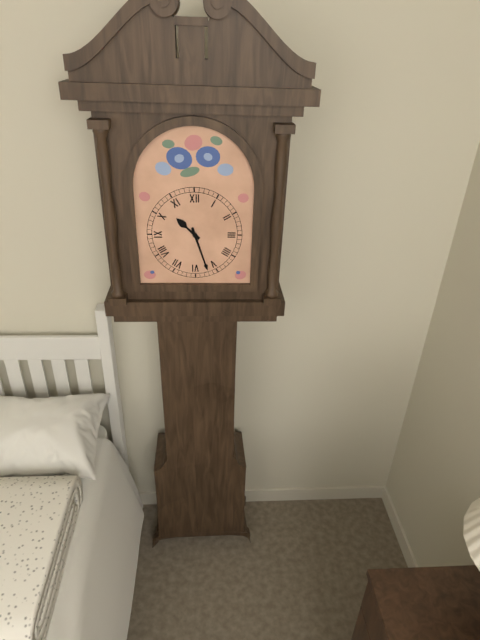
10h27
